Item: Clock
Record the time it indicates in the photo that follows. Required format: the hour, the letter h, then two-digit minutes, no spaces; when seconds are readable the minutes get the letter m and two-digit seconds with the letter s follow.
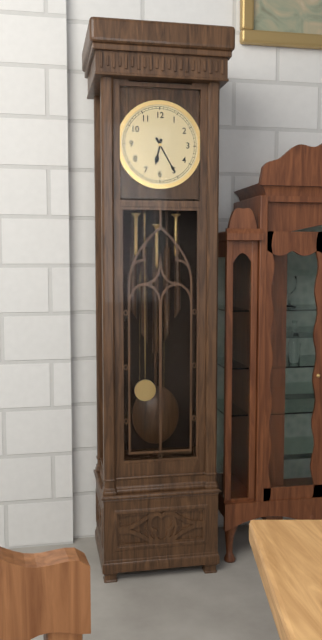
6h25
